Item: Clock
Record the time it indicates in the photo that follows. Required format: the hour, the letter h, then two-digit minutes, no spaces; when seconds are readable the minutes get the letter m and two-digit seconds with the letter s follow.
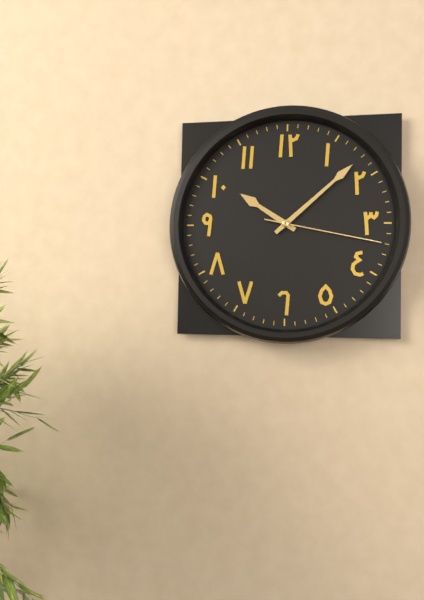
10h08m17s
